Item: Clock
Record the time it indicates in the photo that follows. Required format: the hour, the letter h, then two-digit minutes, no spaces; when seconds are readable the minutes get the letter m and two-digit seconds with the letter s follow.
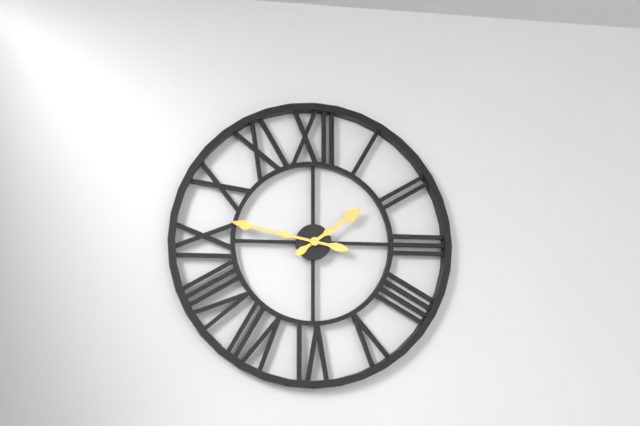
1h47
